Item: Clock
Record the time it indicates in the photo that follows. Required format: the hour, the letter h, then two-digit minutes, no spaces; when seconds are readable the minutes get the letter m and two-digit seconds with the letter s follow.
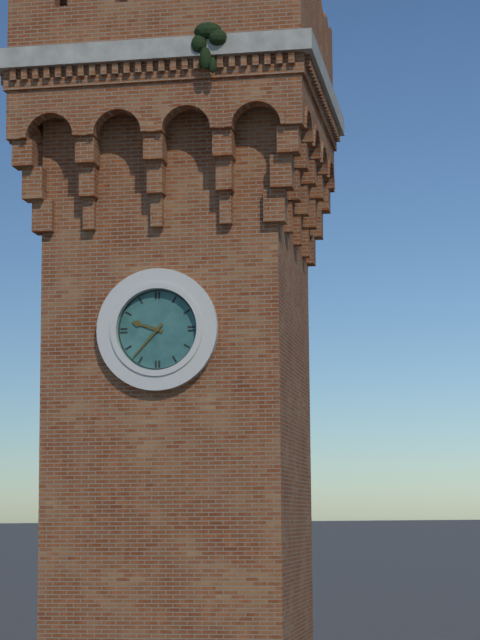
9h37
